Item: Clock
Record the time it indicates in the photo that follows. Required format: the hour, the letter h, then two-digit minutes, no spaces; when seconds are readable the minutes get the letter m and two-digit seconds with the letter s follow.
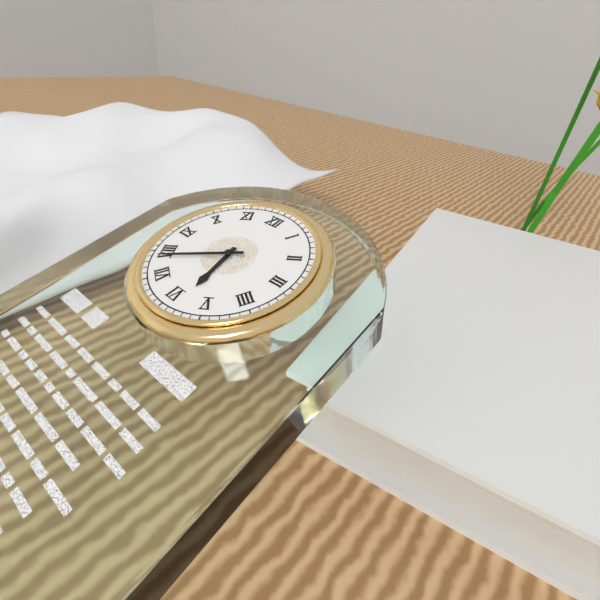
5h39
